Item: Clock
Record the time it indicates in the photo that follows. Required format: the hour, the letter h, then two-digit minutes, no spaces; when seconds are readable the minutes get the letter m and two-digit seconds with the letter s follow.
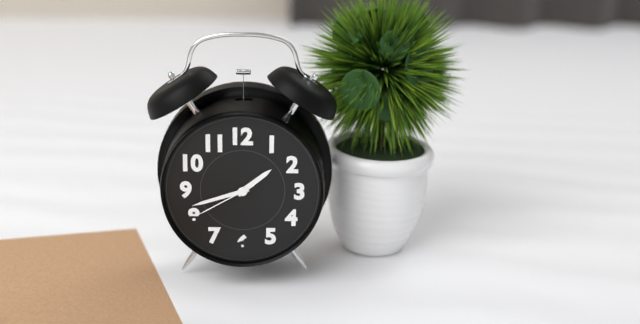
1h42m40s
